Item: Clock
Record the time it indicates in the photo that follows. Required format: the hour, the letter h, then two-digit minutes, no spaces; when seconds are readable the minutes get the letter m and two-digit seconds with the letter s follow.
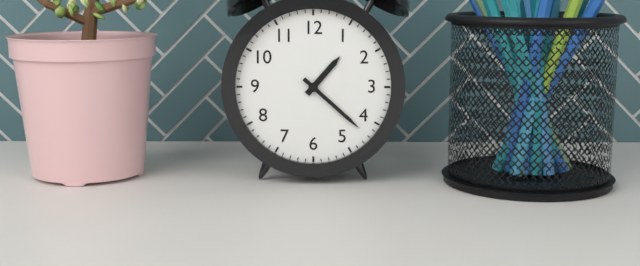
1h22
